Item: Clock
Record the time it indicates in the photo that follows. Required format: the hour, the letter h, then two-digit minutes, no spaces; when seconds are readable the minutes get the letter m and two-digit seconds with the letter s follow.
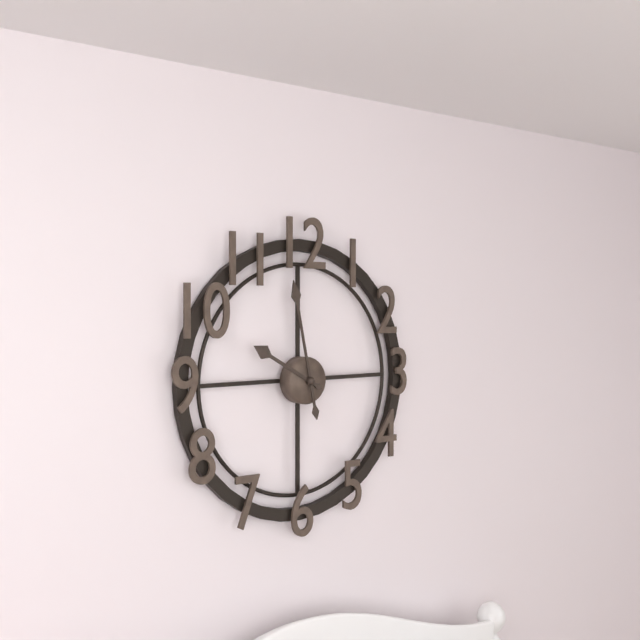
9h58
